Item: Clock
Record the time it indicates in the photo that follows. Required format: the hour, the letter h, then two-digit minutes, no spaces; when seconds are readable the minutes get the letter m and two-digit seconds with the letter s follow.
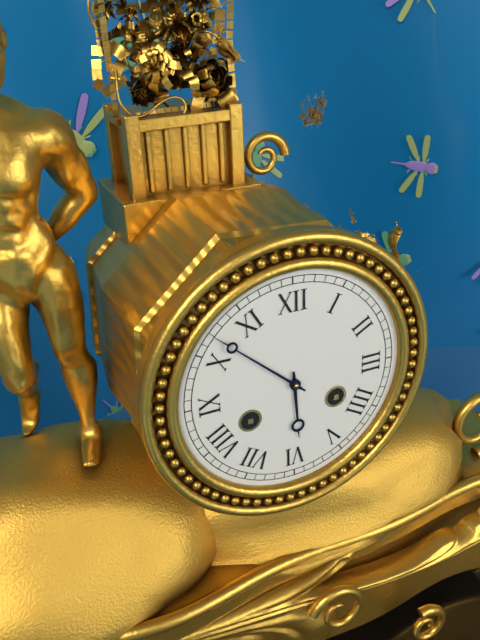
5h52
